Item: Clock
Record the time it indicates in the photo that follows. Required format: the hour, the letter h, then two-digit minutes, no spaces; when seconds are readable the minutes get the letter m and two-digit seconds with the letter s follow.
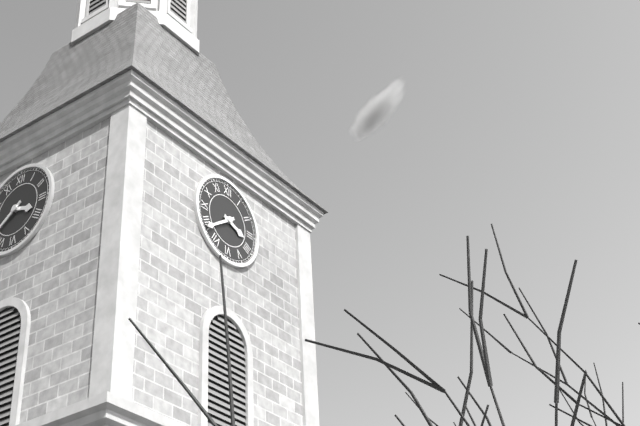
3h39
